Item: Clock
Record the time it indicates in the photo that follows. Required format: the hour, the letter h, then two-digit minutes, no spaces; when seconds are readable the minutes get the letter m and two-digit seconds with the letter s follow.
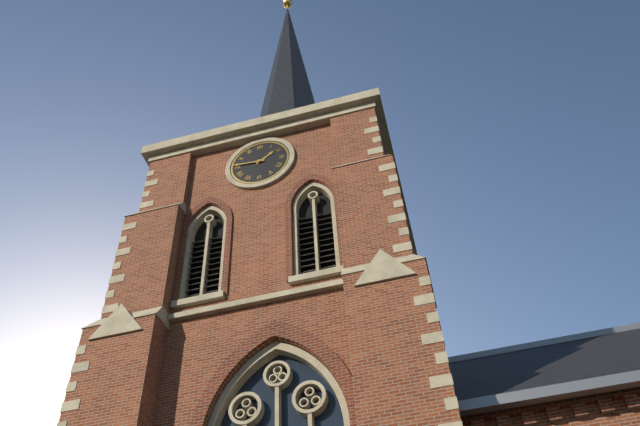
1h46
